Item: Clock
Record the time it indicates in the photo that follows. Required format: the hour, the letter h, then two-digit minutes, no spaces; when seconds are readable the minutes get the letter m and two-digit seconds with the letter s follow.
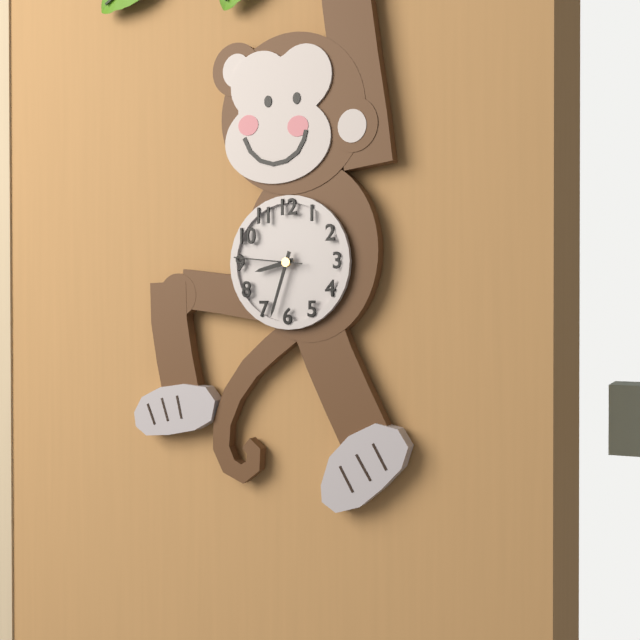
8h33m46s
